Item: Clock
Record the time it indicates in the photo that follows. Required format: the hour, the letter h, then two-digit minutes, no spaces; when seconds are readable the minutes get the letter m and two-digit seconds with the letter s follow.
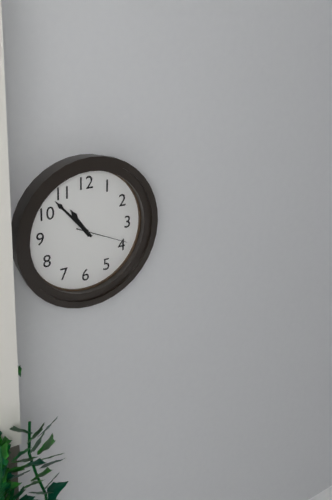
10h53m19s
